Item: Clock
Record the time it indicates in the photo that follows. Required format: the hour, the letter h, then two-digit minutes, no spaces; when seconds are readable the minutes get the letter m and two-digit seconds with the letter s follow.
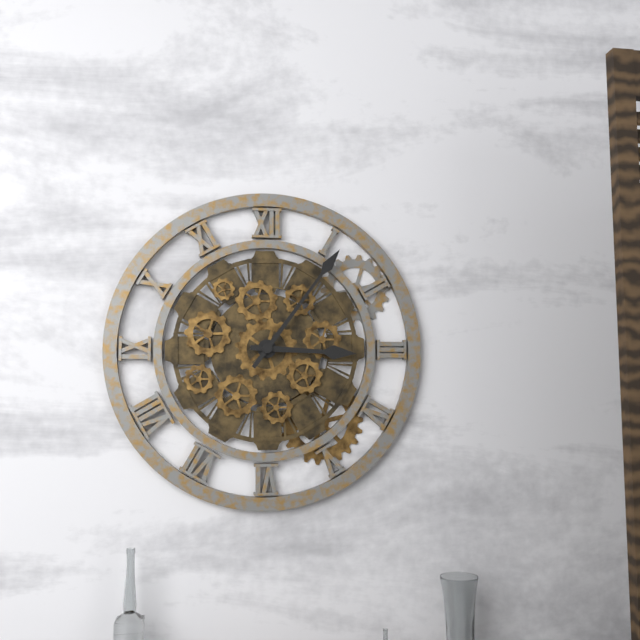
3h06
